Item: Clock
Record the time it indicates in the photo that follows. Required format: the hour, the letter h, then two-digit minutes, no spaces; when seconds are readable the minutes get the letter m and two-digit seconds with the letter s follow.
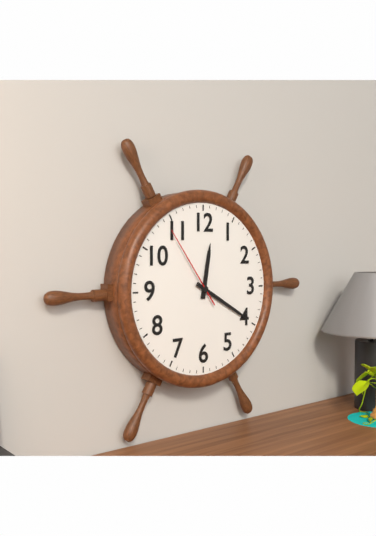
12h20m54s
